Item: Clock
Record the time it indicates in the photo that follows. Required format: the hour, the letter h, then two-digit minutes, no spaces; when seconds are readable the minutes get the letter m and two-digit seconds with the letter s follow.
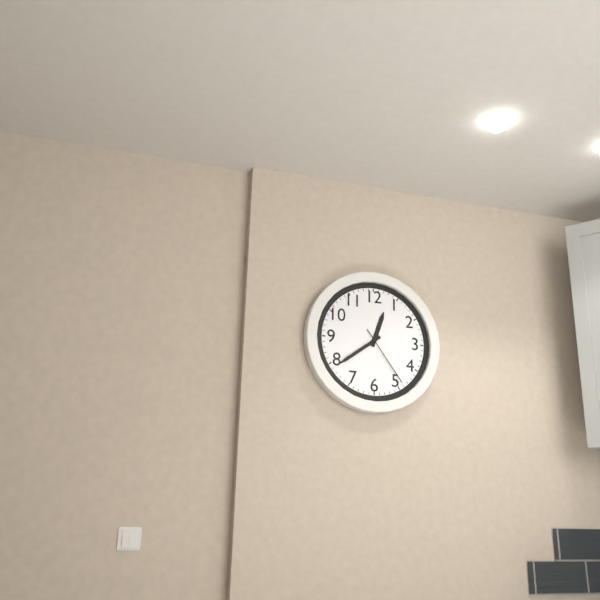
12h39m24s
